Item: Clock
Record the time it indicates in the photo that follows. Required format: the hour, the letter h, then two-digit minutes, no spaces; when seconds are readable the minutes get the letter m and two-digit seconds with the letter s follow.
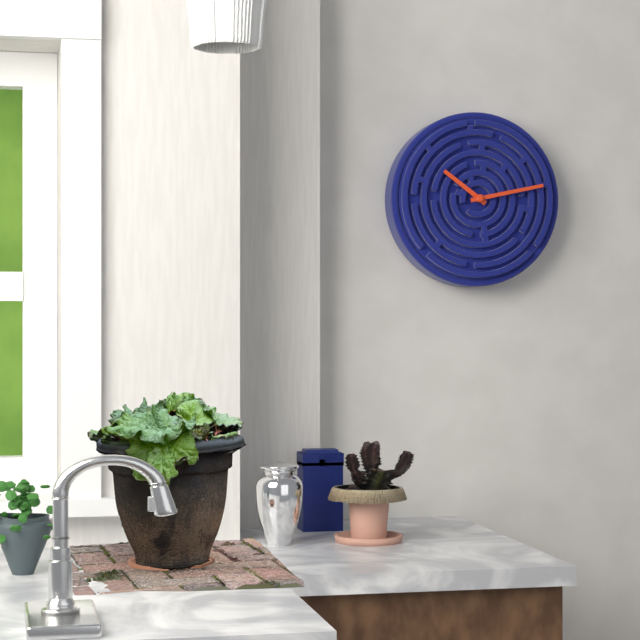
10h13
